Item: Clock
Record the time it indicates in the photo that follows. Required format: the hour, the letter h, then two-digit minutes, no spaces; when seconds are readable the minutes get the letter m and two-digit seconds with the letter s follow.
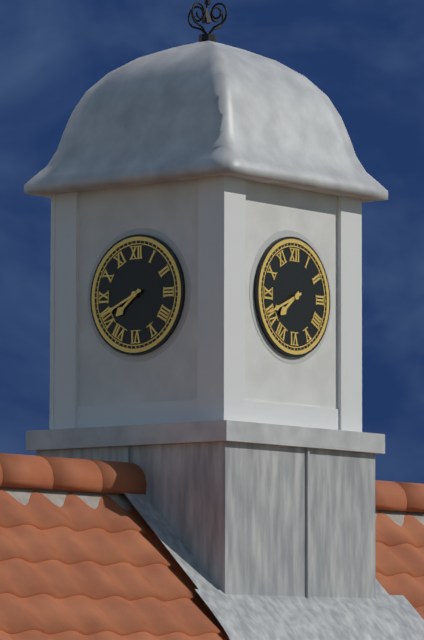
7h41
